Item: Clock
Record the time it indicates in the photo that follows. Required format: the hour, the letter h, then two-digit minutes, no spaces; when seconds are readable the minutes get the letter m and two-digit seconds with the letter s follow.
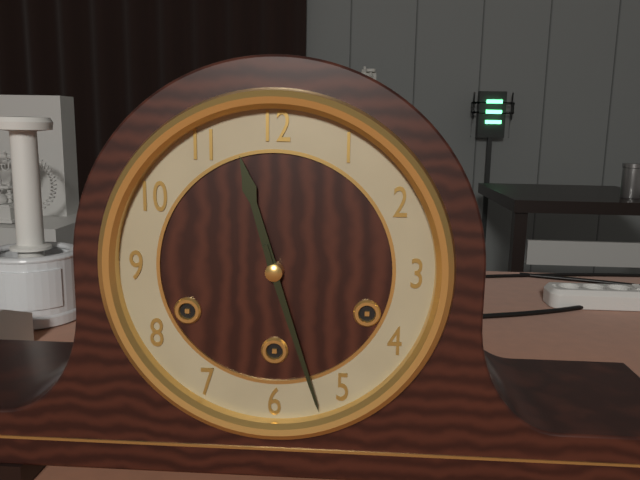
11h27
